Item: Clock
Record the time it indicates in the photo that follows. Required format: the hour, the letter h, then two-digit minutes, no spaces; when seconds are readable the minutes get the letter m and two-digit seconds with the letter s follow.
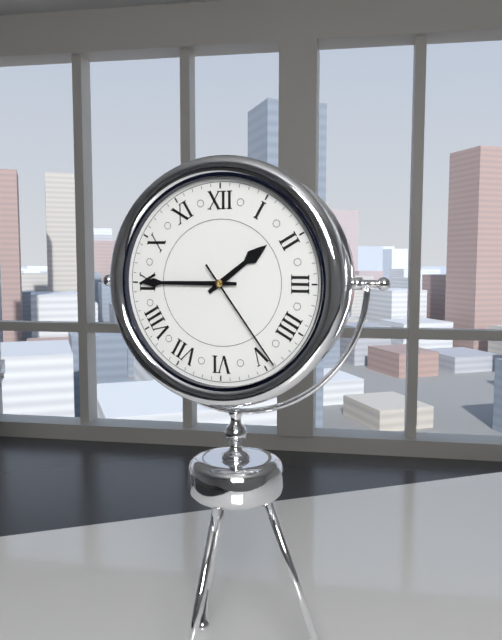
1h45m24s
